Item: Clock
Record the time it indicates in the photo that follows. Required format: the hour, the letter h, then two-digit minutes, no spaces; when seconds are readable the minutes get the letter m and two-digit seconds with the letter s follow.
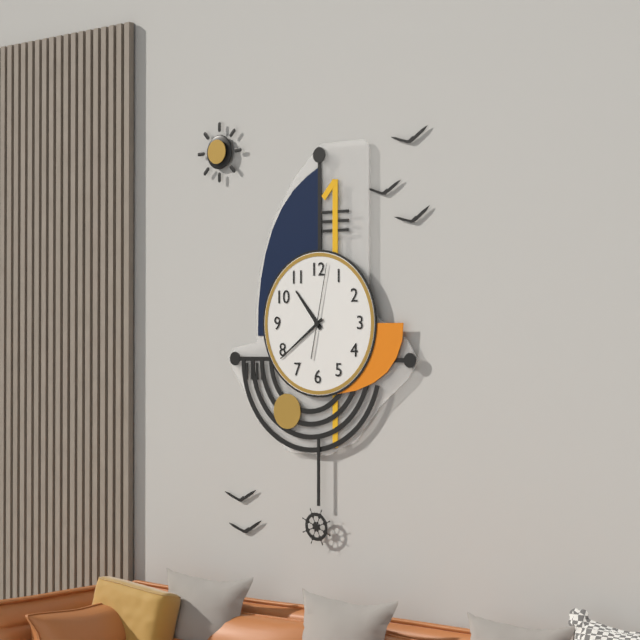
10h39m02s
